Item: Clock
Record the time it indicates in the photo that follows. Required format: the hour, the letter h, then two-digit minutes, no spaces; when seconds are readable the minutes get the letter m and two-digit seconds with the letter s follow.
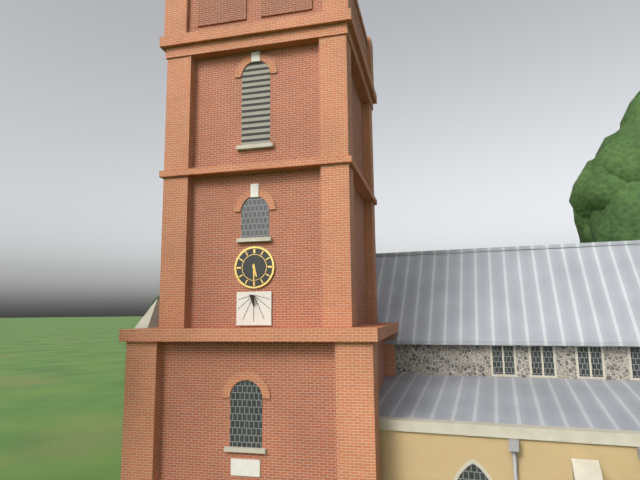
5h30
